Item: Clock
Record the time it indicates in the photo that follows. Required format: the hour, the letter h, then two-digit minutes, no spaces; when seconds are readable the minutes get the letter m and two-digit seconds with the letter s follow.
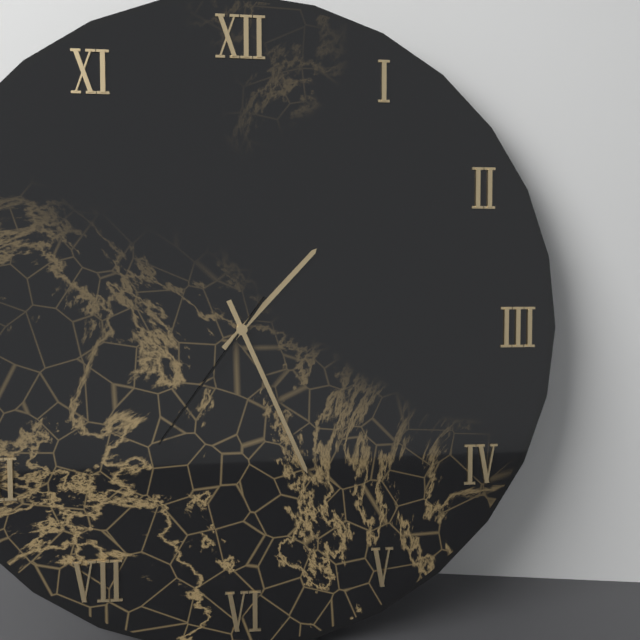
1h26m36s
